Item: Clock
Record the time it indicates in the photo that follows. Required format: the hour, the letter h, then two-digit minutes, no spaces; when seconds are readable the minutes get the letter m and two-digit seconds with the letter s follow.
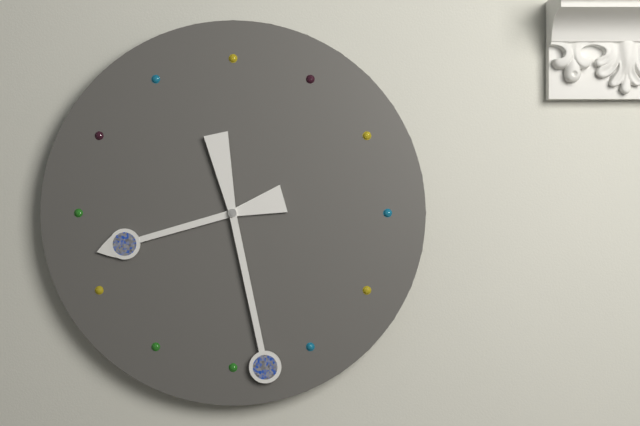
8h28
